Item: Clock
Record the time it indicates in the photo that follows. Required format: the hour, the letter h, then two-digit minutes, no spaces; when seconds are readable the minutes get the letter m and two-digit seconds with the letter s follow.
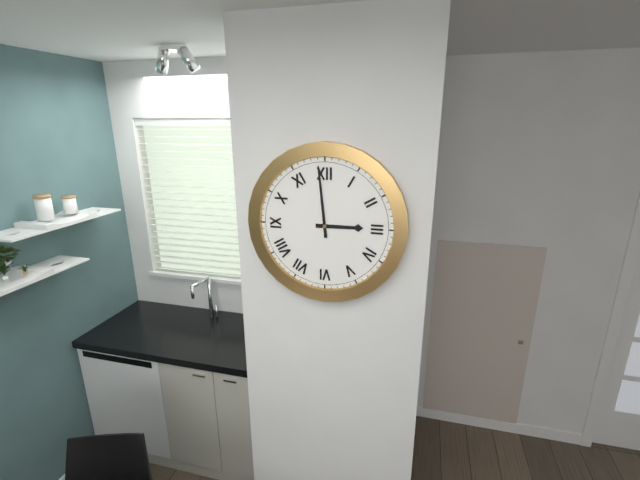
2h59
